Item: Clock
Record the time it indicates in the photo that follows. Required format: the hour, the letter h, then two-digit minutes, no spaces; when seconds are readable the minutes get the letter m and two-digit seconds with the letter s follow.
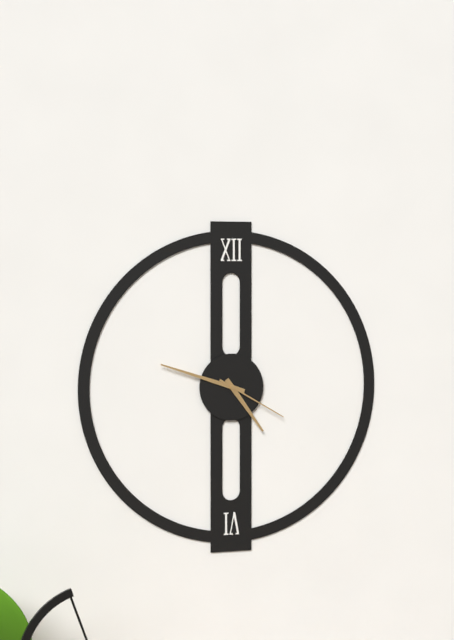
4h48m20s
